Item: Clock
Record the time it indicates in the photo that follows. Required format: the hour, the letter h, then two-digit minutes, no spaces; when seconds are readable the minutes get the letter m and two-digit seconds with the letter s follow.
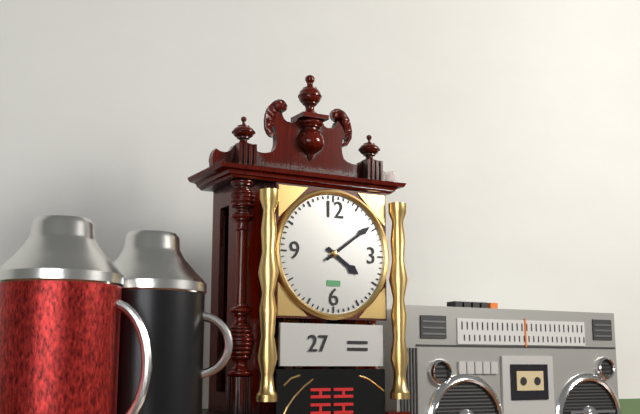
4h09
